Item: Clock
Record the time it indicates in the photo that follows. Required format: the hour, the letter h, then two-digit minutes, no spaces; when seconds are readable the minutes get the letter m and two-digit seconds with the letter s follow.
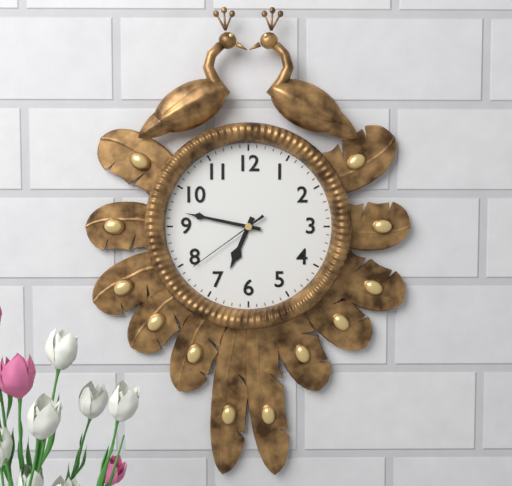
6h47m39s
